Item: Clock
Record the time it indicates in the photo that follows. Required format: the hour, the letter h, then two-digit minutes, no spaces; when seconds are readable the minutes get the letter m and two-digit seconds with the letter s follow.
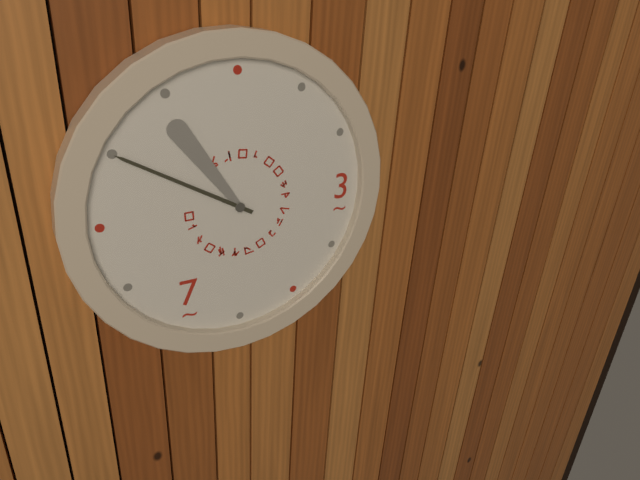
10h50
